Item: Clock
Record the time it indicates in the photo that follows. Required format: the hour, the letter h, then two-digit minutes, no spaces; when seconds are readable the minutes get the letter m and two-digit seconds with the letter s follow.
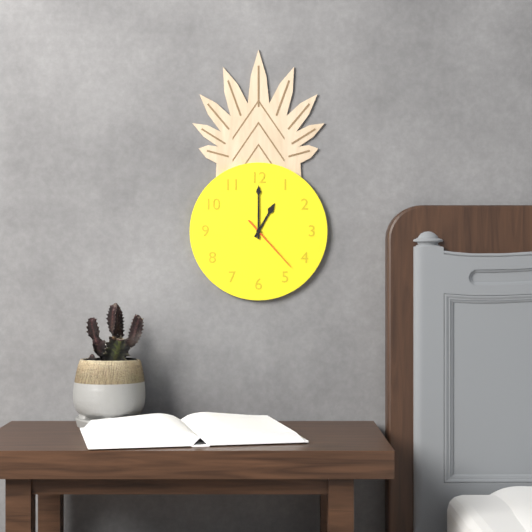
1h00m23s
